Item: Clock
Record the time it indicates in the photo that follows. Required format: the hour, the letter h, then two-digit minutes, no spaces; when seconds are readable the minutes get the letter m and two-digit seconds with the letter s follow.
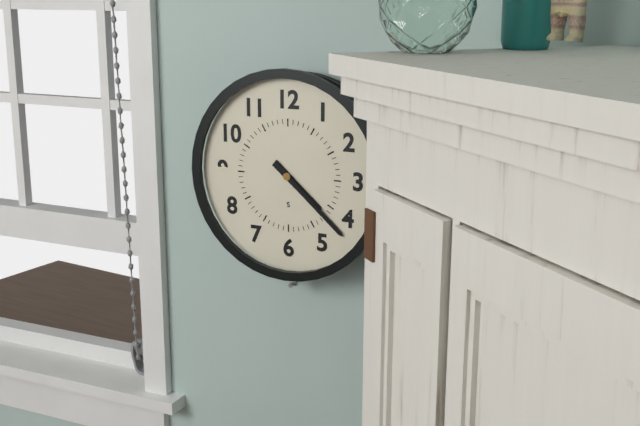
4h22
